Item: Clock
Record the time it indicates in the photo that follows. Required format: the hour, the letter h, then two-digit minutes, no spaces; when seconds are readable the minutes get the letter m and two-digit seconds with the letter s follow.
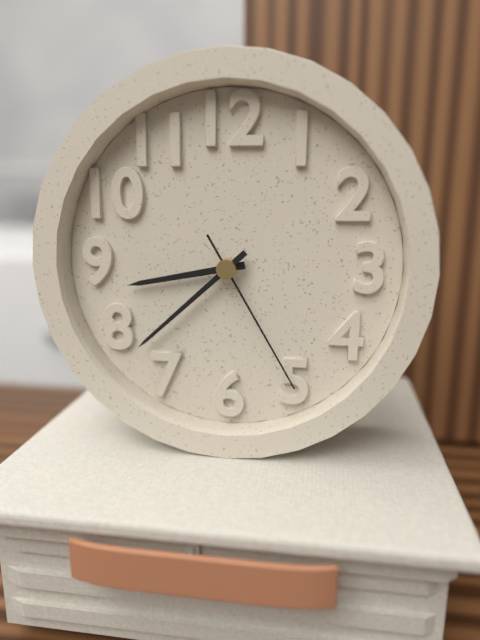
8h38m25s
